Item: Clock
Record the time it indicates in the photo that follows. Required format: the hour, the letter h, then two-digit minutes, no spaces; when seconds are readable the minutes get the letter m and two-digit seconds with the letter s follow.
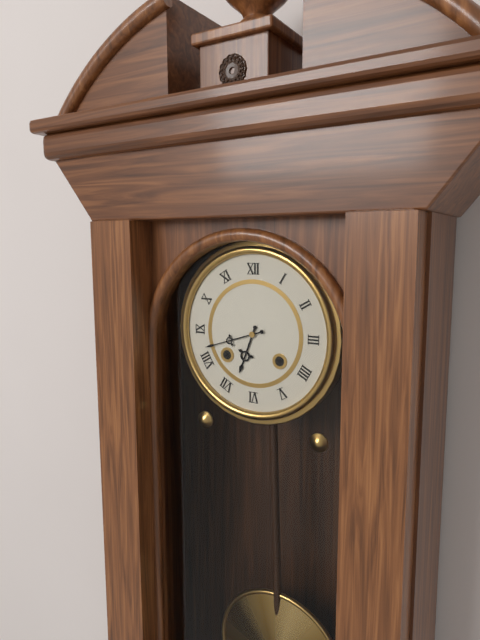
6h42
